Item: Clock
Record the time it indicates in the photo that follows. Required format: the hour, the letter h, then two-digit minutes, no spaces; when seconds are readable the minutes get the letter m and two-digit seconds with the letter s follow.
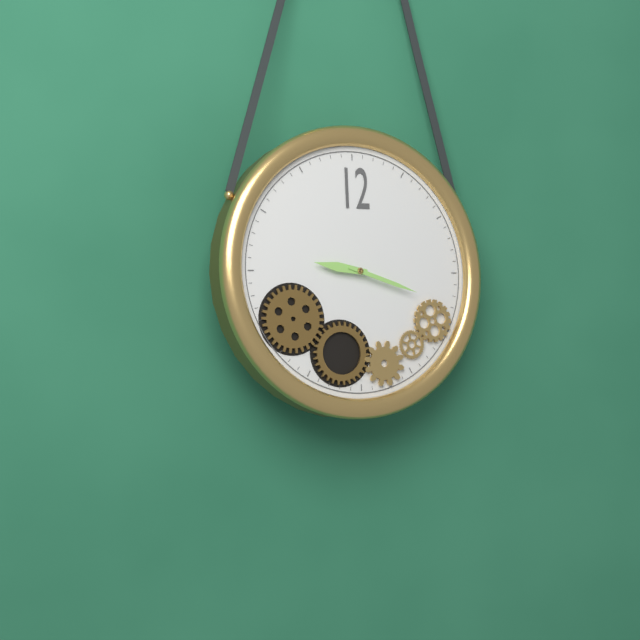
9h18
